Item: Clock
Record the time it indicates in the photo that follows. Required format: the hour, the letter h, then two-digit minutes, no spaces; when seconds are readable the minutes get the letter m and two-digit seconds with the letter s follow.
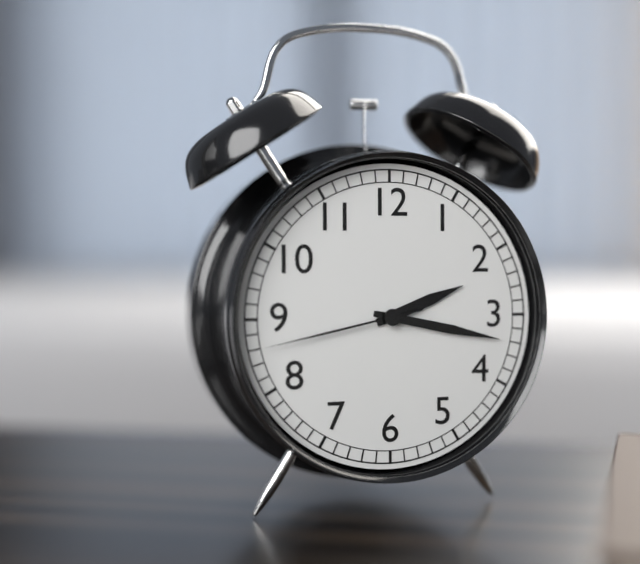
2h17m43s
